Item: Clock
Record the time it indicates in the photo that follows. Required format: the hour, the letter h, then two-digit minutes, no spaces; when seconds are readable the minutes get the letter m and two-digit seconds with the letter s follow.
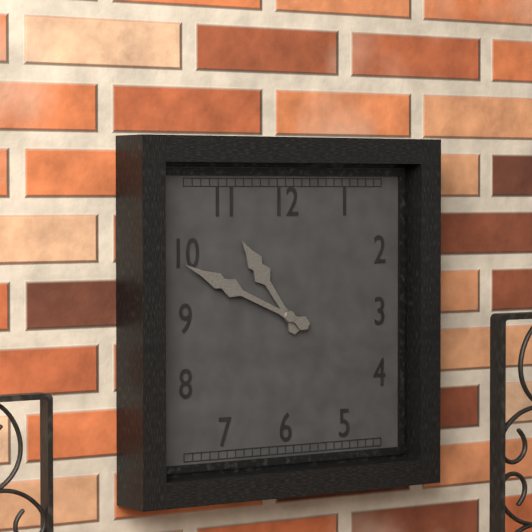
10h49
